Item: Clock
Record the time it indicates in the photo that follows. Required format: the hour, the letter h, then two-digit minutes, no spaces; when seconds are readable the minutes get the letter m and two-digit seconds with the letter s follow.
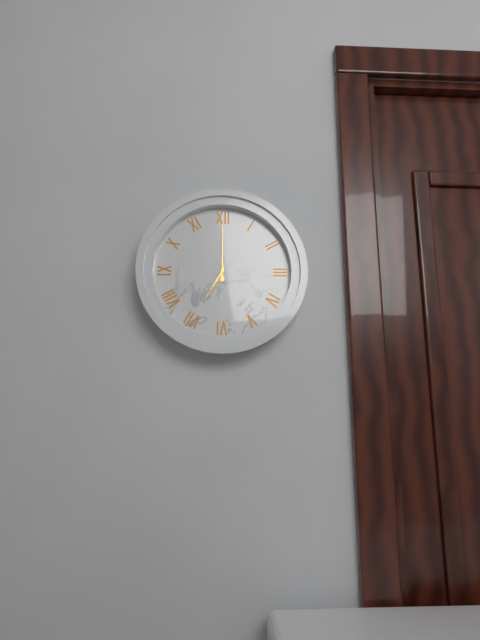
7h00
